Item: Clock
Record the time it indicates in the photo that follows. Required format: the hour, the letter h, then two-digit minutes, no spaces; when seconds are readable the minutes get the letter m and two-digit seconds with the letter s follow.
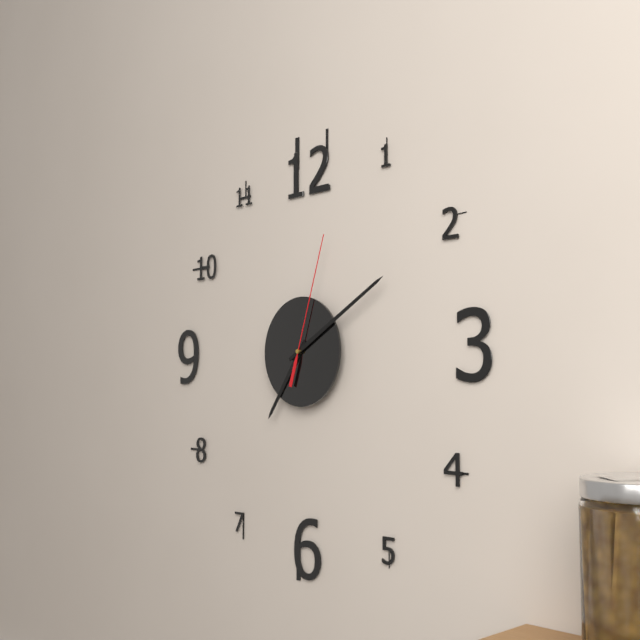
7h10m03s
